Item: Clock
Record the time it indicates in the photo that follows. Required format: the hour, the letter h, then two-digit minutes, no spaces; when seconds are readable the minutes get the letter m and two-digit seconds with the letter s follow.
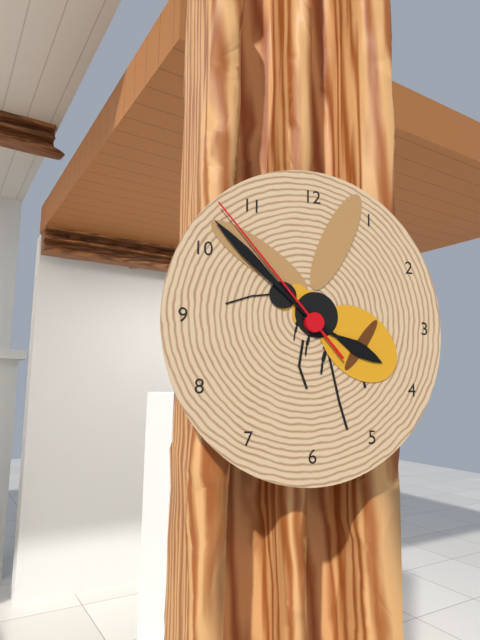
3h52m53s
